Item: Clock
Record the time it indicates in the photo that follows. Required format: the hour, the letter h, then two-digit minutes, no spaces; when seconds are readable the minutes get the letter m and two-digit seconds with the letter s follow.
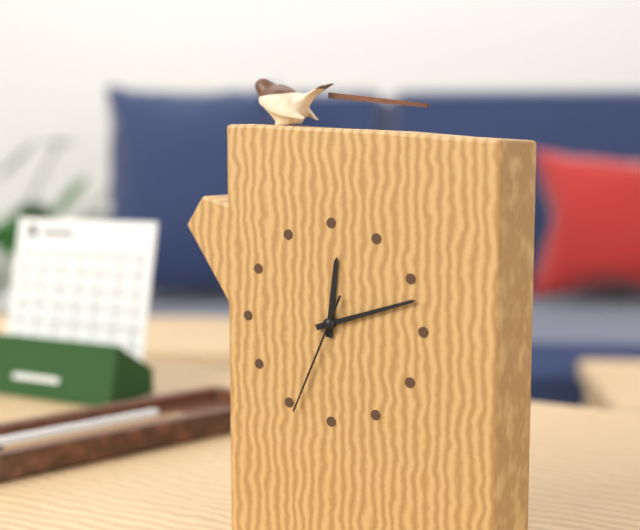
12h12m34s
